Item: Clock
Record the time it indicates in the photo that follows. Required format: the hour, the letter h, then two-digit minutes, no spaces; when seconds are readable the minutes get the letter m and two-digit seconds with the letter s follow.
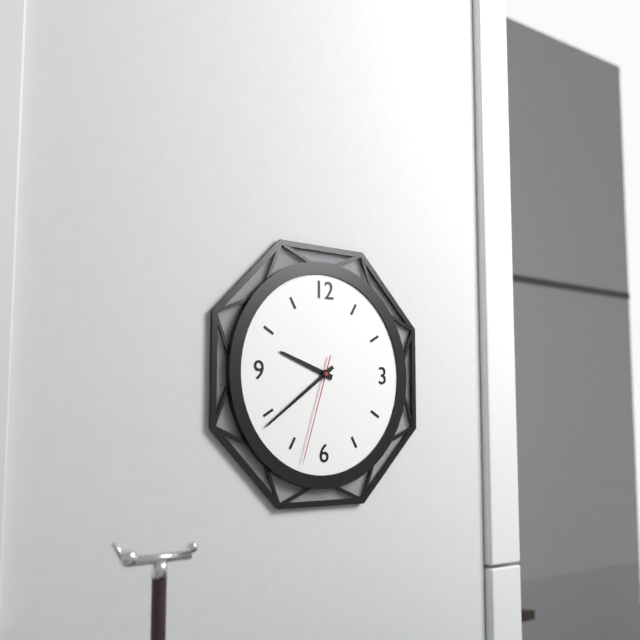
9h39m33s
